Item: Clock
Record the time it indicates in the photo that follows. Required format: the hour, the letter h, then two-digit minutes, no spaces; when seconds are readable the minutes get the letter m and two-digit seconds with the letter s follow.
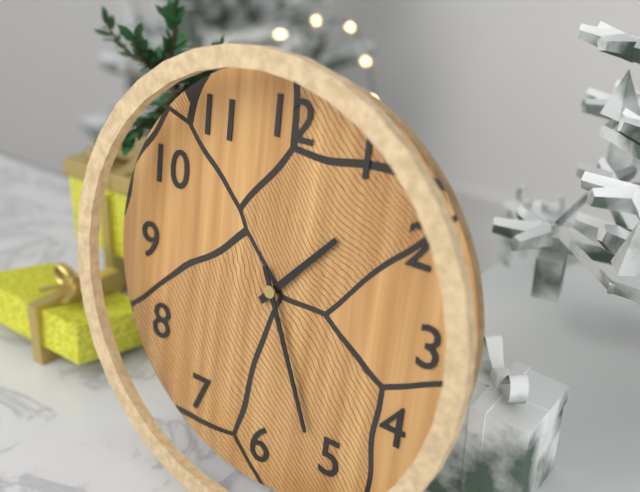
1h26
